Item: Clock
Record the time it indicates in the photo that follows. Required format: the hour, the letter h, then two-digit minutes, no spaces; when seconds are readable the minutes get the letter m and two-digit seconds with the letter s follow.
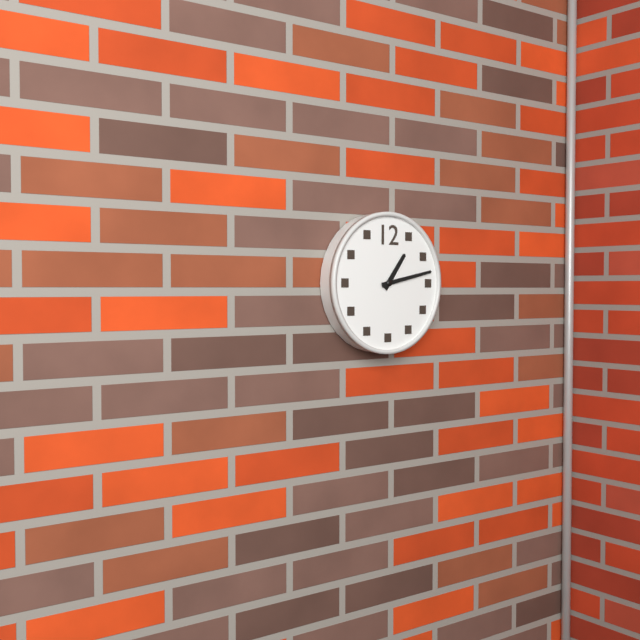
1h13
